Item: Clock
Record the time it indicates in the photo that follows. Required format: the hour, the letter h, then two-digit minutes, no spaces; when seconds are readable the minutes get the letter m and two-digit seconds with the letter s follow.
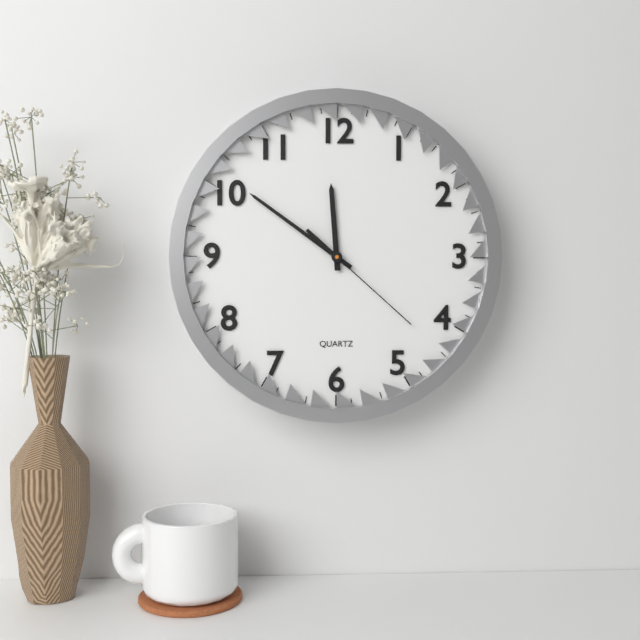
11h51m22s
